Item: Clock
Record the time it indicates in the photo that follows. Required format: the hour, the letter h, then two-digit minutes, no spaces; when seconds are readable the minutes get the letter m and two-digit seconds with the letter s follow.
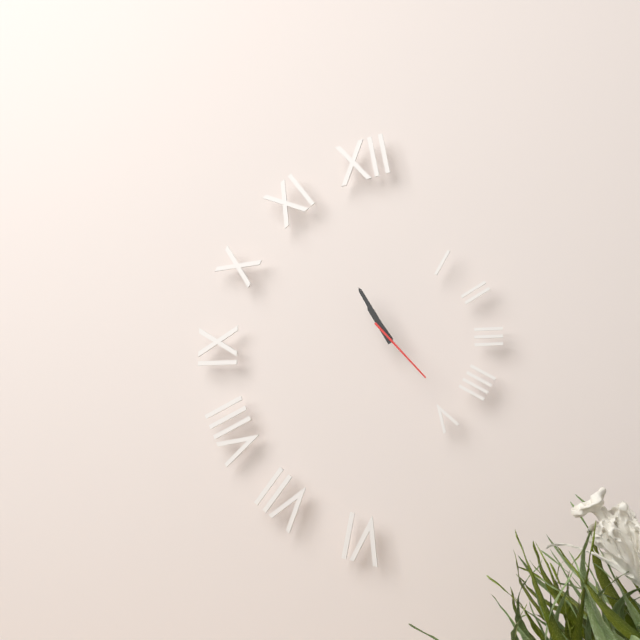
10h55m23s
